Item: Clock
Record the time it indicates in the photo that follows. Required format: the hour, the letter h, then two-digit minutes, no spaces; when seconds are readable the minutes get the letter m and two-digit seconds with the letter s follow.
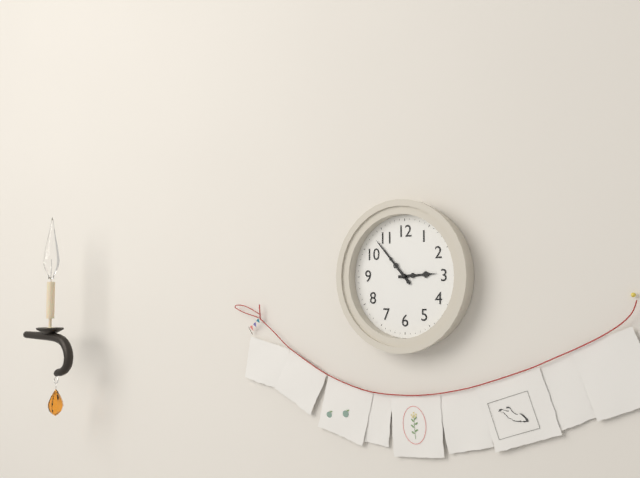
2h53
